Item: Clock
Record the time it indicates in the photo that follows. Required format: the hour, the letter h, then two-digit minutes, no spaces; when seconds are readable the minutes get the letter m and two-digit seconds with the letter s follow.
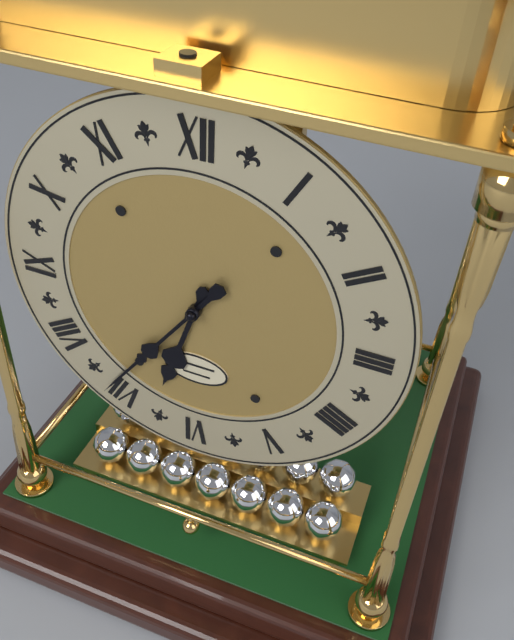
6h36
